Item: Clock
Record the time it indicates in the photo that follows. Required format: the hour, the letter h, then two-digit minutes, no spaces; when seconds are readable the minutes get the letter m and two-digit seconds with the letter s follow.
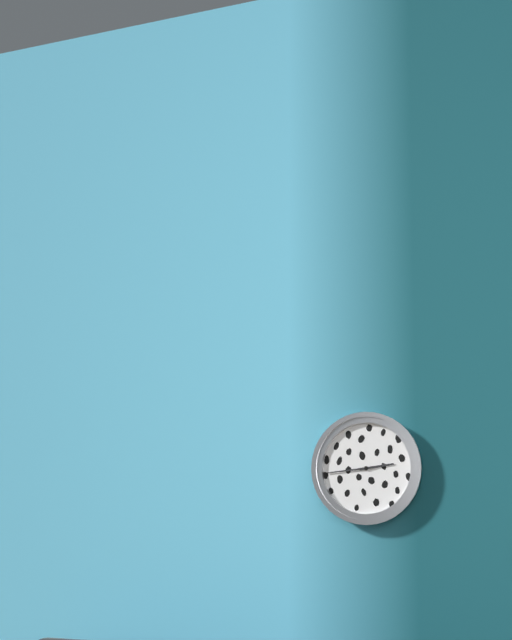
2h44
